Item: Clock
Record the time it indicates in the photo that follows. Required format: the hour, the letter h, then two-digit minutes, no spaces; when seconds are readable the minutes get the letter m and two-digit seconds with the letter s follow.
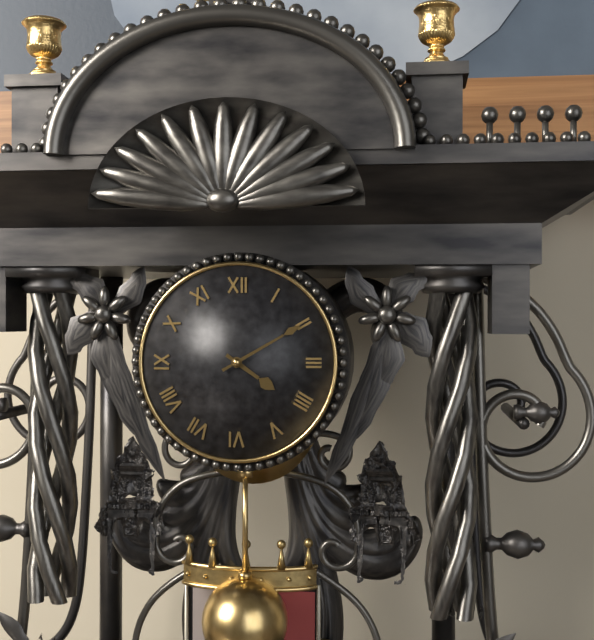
4h10
